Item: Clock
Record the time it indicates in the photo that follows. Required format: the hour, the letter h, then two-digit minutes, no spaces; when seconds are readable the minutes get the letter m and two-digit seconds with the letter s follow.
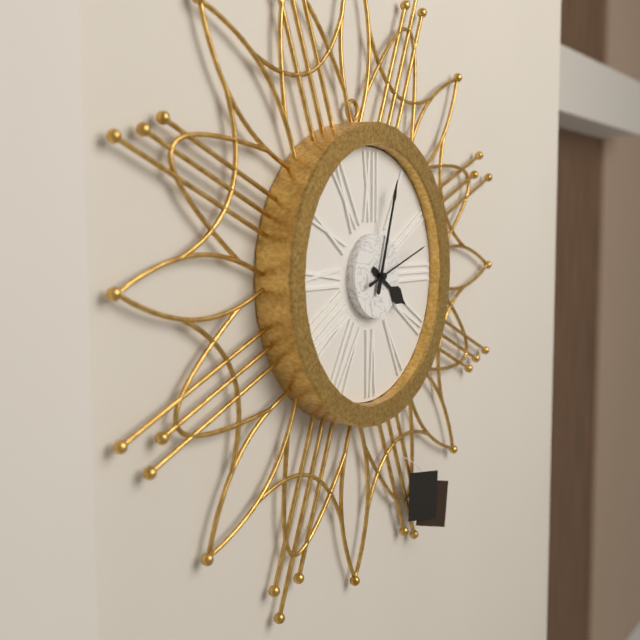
4h03m12s
